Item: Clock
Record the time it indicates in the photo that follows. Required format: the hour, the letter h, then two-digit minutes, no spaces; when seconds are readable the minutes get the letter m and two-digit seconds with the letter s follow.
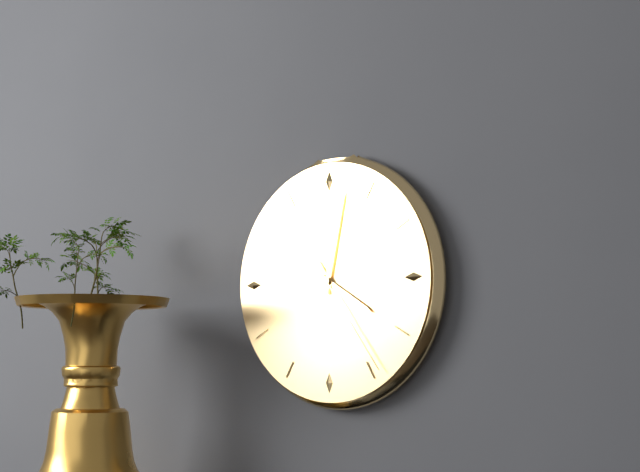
4h02m24s
